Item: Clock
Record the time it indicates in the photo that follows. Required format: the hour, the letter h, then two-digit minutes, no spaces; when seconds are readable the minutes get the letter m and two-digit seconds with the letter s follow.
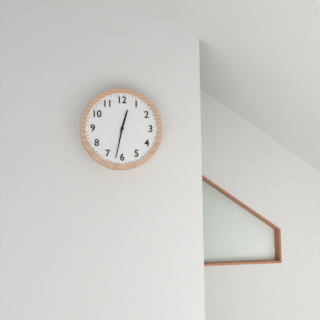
12h32
